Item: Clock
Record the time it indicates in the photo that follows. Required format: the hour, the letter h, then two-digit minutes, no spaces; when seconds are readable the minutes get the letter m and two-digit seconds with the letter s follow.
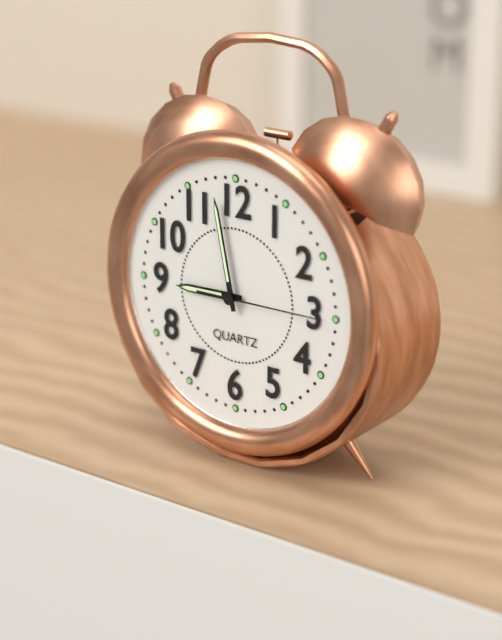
8h58m15s
